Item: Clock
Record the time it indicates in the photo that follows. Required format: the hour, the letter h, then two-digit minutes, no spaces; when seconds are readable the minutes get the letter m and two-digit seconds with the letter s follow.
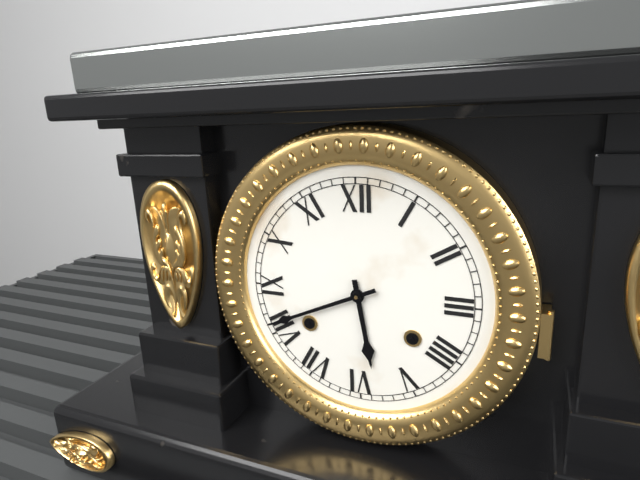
5h41
